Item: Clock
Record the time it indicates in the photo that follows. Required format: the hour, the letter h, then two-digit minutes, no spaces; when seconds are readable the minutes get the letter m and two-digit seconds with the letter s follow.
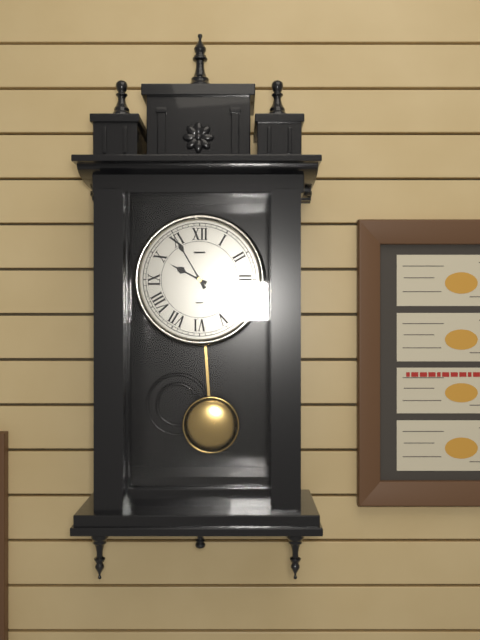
9h55
